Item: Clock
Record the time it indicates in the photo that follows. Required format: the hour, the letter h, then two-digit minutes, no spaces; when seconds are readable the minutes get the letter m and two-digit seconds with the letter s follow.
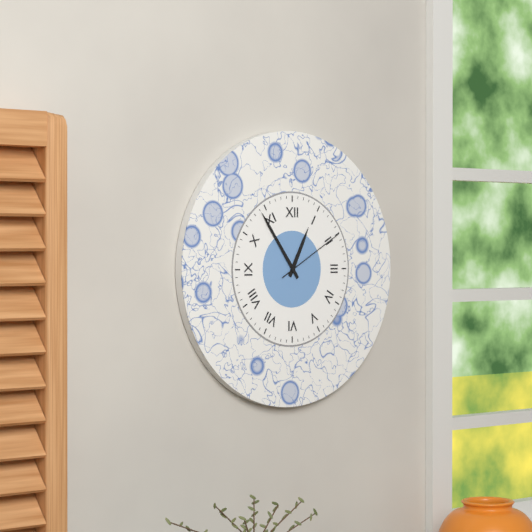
12h54m10s
